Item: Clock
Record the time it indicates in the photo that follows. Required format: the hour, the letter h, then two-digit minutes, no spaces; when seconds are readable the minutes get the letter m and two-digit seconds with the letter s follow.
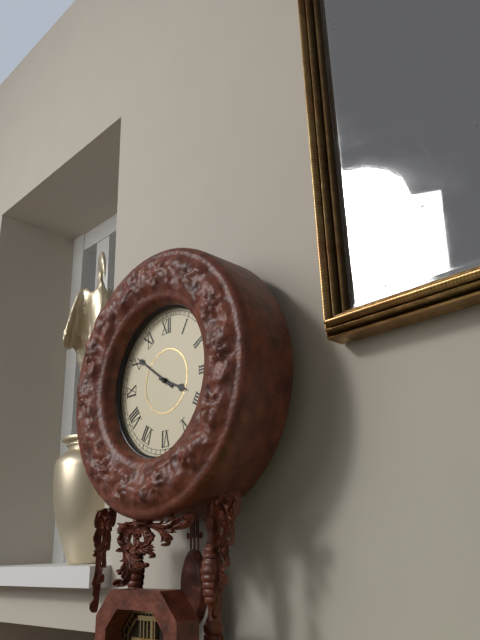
3h51
